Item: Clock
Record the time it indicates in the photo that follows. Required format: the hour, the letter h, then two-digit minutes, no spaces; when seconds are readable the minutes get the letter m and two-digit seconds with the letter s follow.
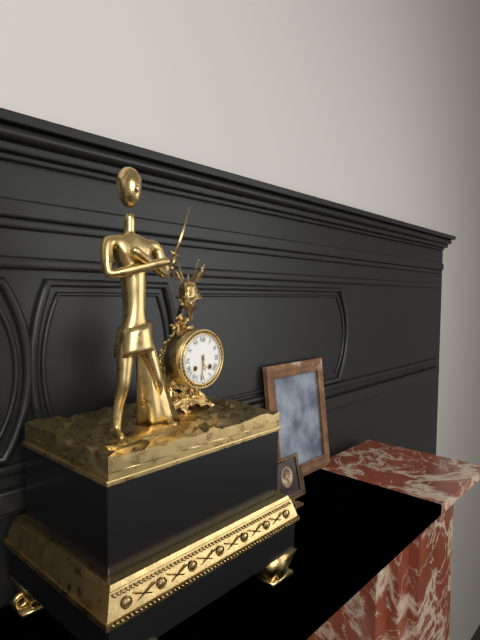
5h31
